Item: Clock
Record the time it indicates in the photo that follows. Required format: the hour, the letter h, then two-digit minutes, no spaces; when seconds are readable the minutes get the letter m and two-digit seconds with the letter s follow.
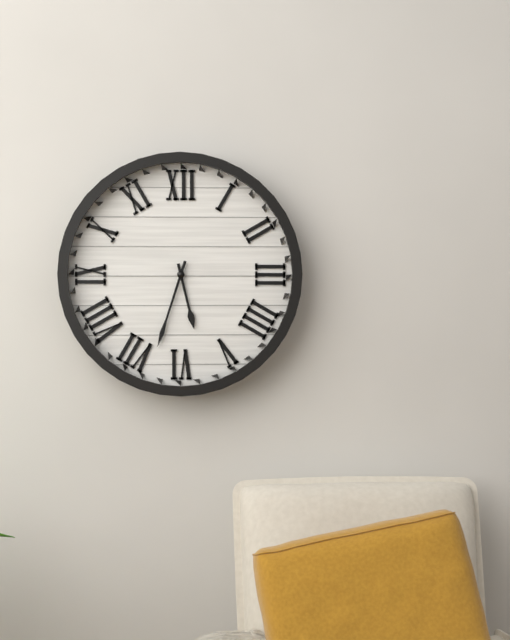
5h33
